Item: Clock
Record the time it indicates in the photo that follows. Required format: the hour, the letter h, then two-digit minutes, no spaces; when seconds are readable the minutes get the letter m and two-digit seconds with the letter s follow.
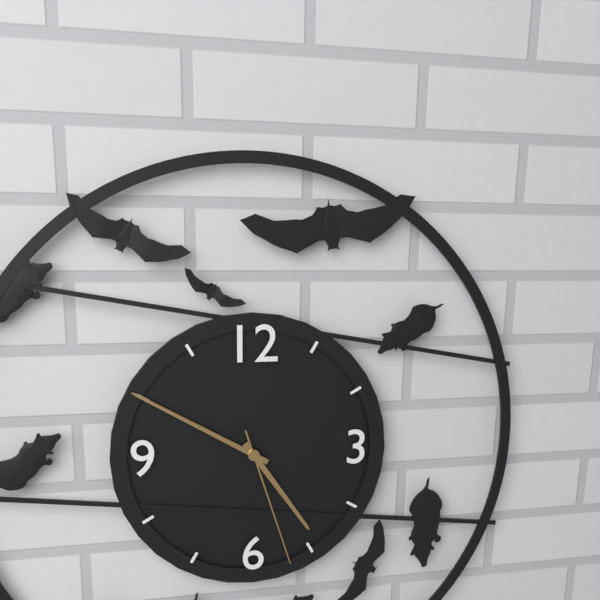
4h50m27s
